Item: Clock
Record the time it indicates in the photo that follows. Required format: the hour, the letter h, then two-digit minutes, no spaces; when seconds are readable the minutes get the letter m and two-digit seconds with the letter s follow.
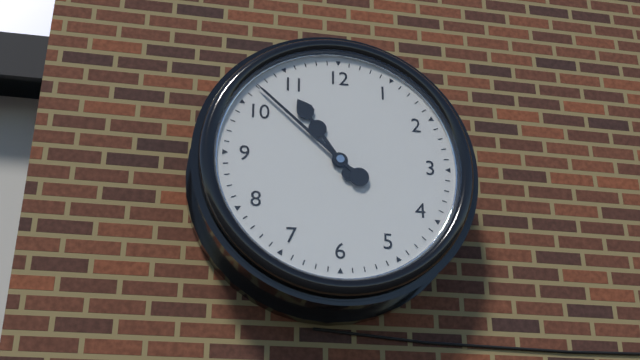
10h52
